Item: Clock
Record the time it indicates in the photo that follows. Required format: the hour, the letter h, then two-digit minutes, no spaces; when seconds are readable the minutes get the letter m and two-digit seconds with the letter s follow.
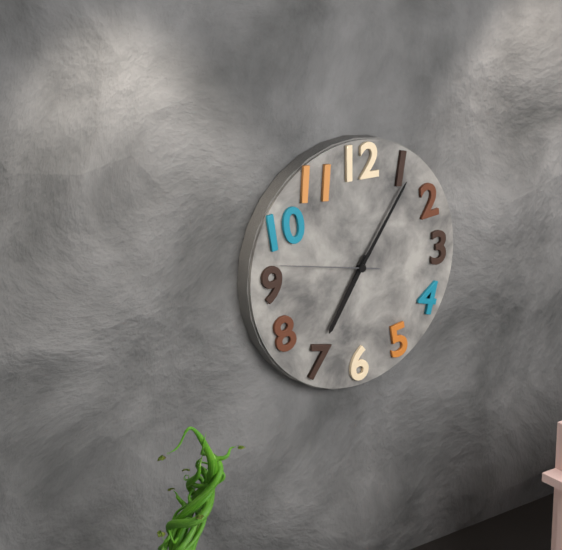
7h06m47s
